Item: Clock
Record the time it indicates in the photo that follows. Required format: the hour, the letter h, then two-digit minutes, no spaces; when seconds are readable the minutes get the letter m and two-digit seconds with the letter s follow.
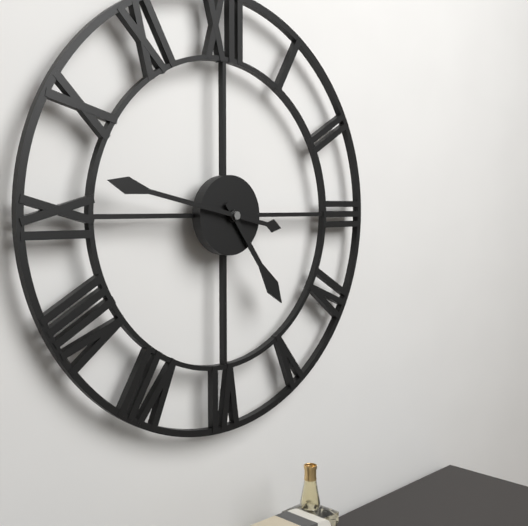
4h47
